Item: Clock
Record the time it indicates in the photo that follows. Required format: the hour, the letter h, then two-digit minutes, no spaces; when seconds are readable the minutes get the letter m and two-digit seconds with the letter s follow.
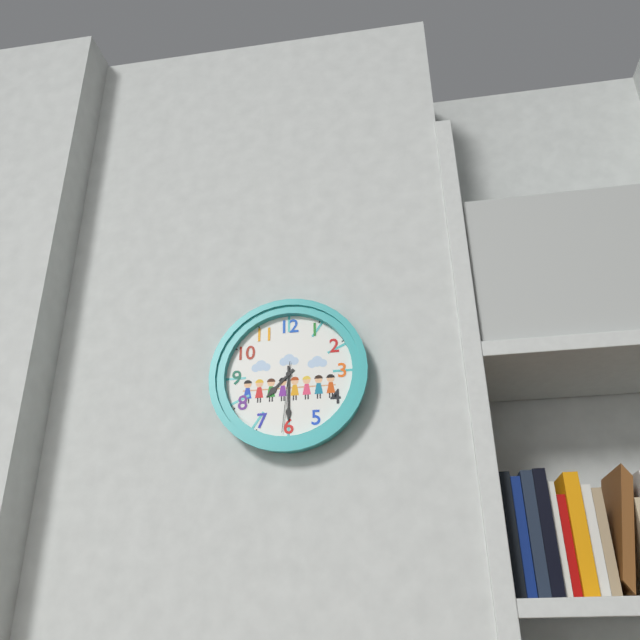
7h30m31s
